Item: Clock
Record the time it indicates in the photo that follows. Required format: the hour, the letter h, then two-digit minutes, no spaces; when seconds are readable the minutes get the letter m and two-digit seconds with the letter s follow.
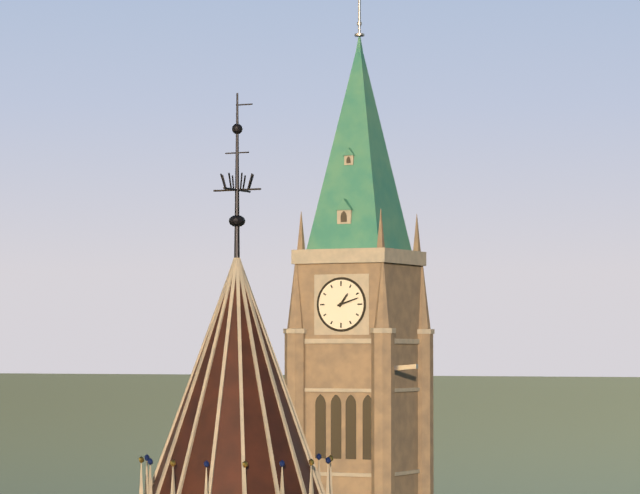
1h12
